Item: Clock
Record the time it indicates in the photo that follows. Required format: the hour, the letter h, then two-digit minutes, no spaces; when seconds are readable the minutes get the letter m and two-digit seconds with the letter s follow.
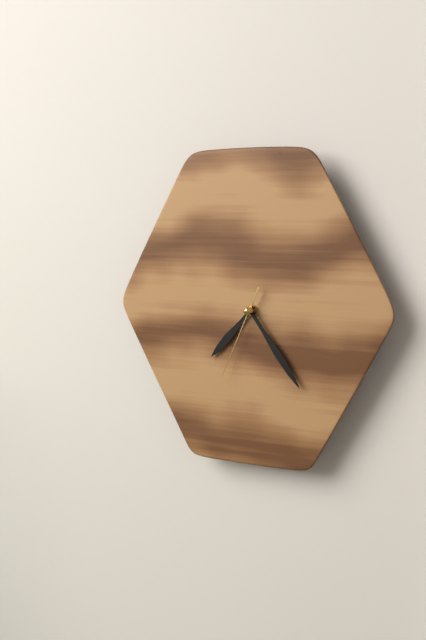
7h24m34s
